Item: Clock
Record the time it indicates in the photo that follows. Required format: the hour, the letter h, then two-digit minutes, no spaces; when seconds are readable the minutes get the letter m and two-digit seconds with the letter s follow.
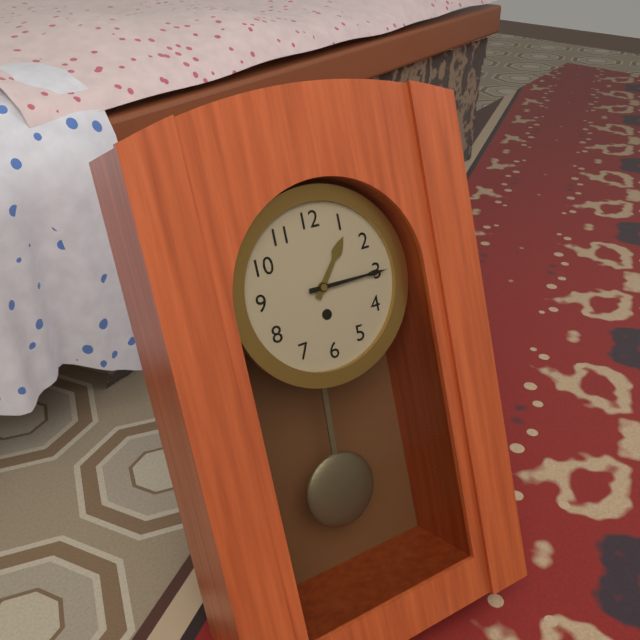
1h15
